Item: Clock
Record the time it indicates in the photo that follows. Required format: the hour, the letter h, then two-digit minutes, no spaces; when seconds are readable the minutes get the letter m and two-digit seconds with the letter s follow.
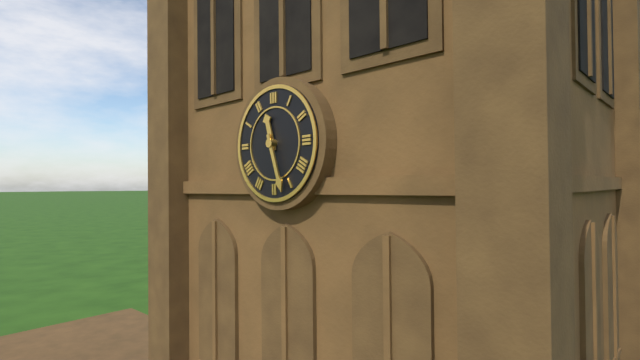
11h27
